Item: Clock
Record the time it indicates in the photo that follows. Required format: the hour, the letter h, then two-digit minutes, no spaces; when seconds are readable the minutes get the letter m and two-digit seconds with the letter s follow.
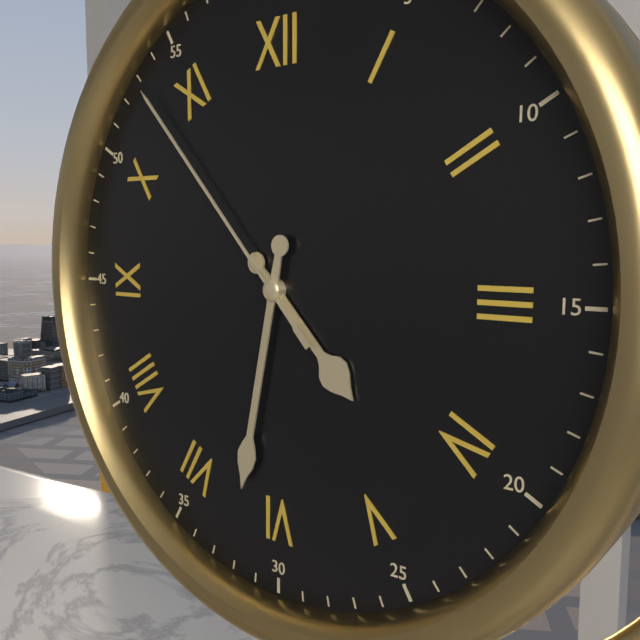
4h32m53s
